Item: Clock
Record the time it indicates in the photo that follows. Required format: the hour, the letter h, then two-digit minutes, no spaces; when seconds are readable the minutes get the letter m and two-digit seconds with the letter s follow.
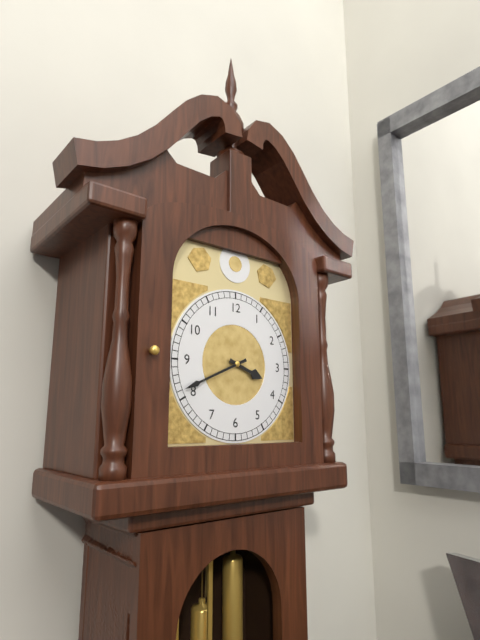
3h41
